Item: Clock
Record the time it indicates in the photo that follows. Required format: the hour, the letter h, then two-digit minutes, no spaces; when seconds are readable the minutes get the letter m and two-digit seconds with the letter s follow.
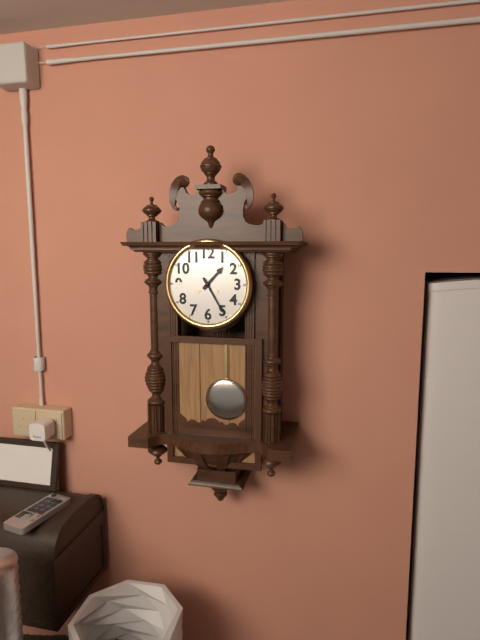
1h25
